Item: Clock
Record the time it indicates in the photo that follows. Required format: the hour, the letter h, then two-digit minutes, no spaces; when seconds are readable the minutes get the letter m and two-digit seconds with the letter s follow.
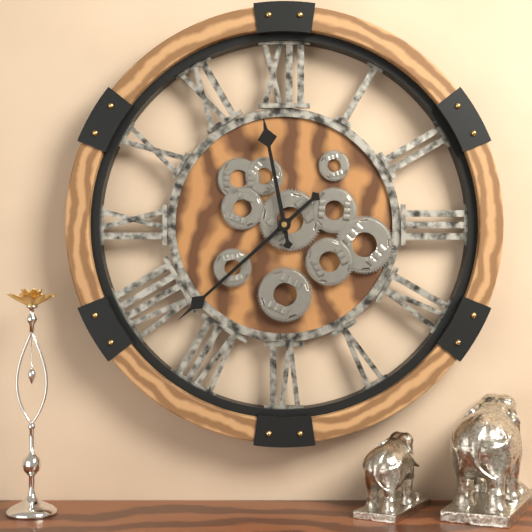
11h38
